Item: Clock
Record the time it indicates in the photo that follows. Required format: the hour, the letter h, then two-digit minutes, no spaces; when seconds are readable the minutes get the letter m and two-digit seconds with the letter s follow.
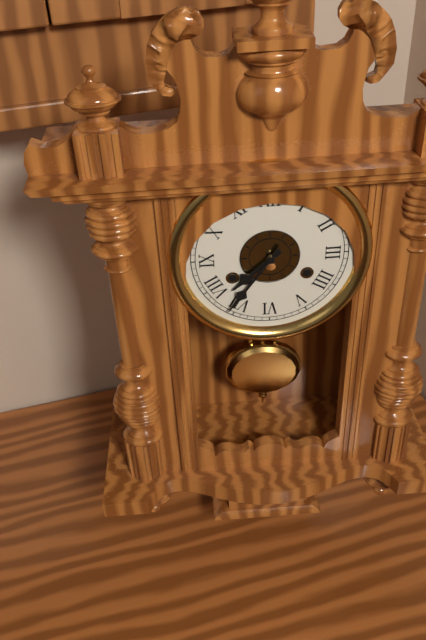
7h36
